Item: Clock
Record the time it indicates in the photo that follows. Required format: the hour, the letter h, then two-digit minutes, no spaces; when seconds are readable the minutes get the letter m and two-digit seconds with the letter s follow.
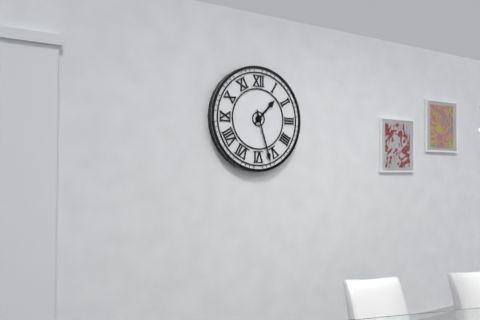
1h27
